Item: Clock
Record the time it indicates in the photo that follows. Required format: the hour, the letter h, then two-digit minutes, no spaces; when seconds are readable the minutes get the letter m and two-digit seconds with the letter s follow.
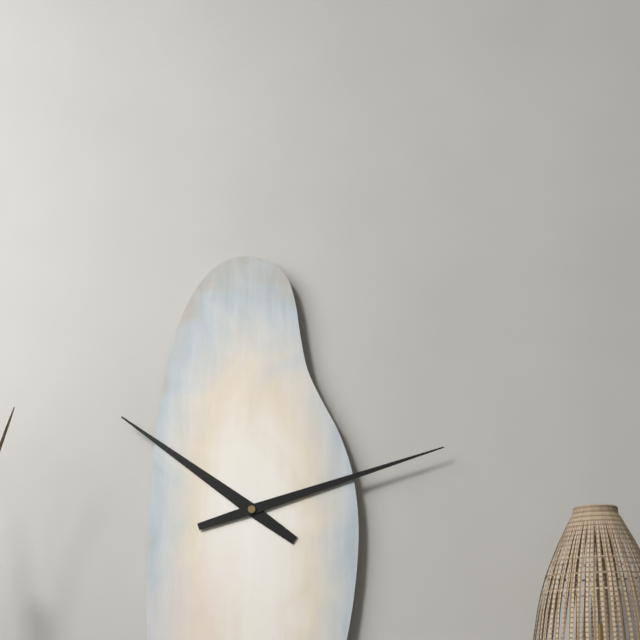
10h12
